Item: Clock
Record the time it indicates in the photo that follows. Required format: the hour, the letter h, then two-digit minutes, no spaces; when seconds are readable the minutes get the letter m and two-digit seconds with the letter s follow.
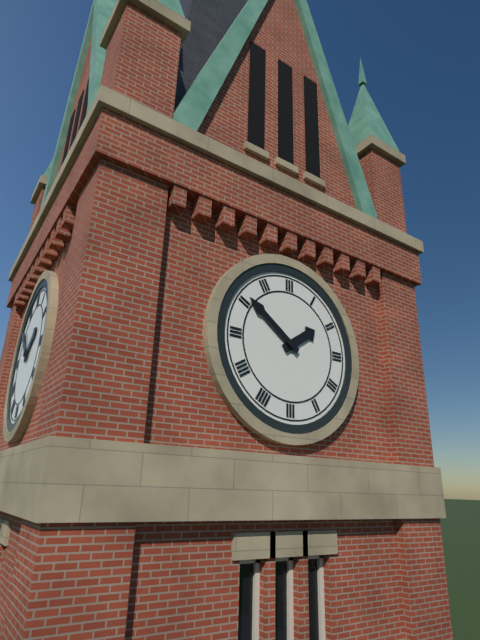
1h51
